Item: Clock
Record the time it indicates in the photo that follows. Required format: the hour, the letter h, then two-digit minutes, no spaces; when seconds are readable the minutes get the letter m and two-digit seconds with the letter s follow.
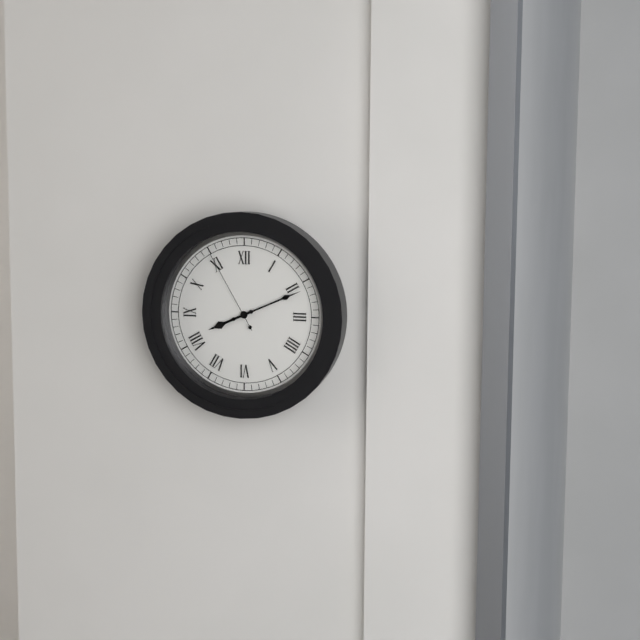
8h11m55s
